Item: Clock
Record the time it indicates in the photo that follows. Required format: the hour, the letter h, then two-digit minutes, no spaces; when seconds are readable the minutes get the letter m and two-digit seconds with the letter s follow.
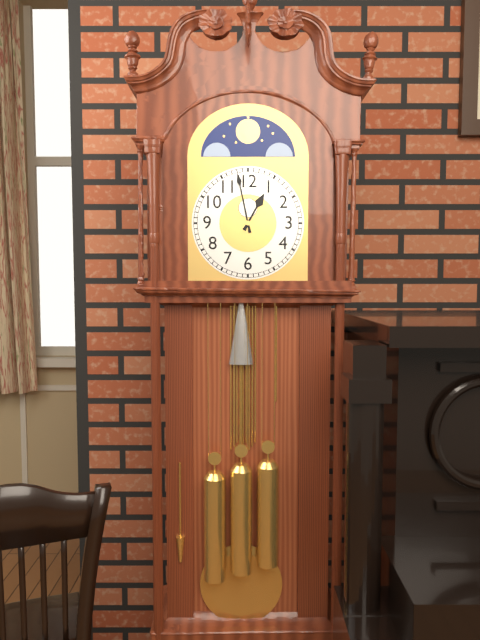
12h58
